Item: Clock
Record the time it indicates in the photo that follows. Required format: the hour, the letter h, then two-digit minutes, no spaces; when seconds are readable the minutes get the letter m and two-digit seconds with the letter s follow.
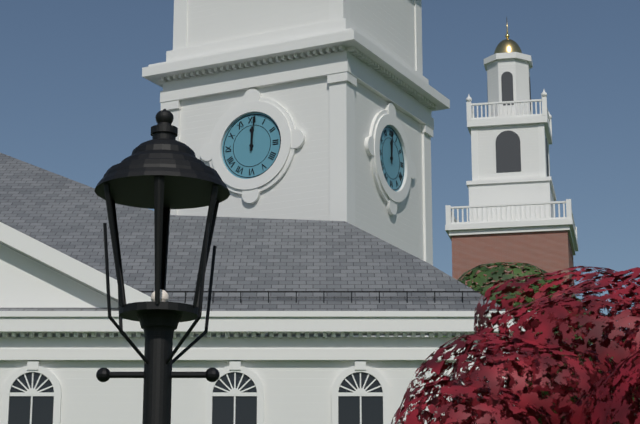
12h01
